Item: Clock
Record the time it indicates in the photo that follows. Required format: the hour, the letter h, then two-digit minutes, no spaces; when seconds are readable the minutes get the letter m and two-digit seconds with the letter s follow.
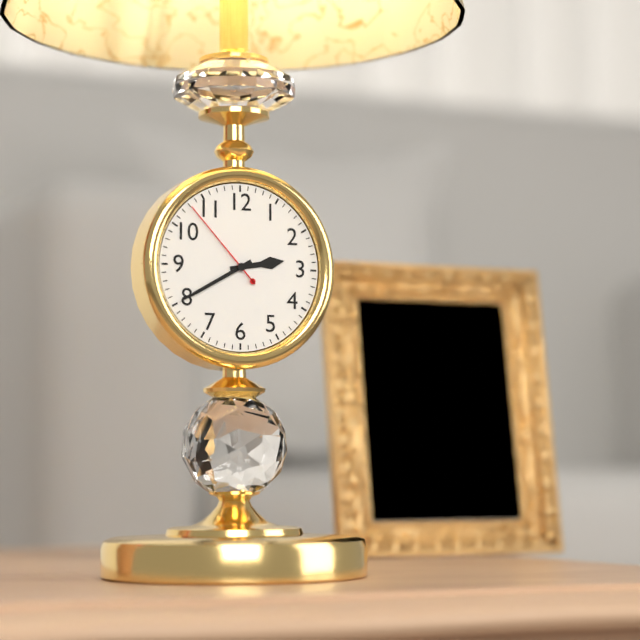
2h40m53s
